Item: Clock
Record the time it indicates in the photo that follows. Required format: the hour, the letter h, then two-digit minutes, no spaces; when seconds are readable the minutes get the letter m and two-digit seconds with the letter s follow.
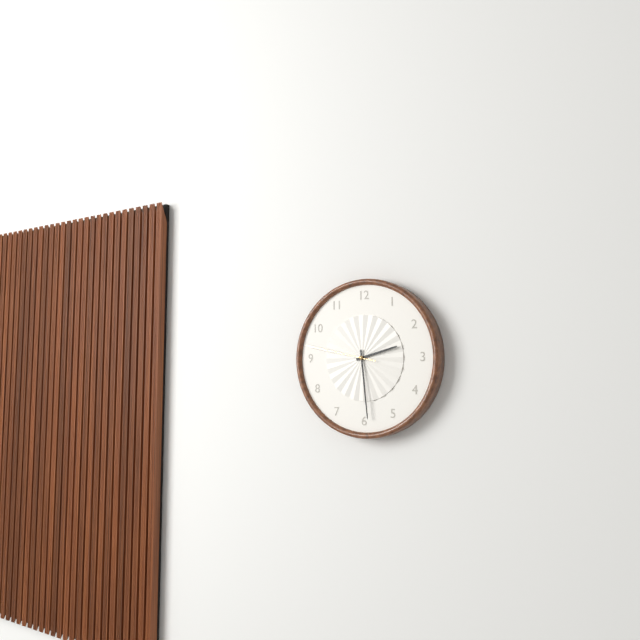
2h29m47s
